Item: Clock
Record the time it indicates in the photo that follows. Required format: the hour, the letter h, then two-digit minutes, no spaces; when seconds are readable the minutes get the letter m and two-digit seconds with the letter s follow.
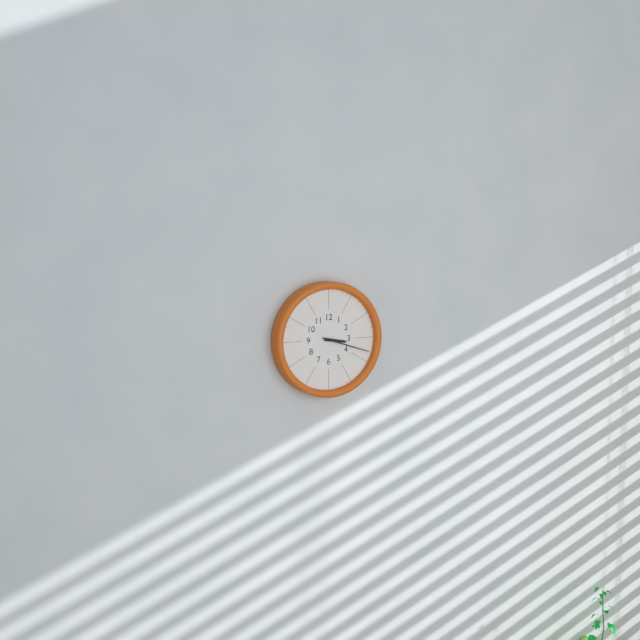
3h18
